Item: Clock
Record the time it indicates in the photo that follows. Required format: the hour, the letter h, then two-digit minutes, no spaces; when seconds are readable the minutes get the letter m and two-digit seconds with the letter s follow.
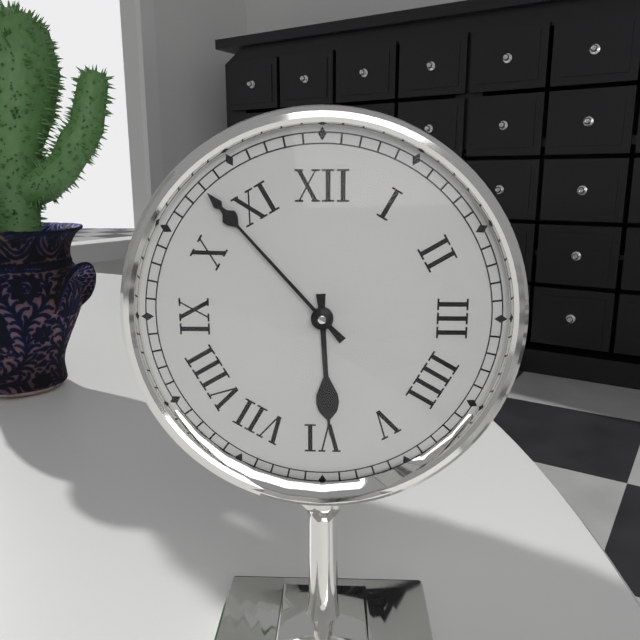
5h53
